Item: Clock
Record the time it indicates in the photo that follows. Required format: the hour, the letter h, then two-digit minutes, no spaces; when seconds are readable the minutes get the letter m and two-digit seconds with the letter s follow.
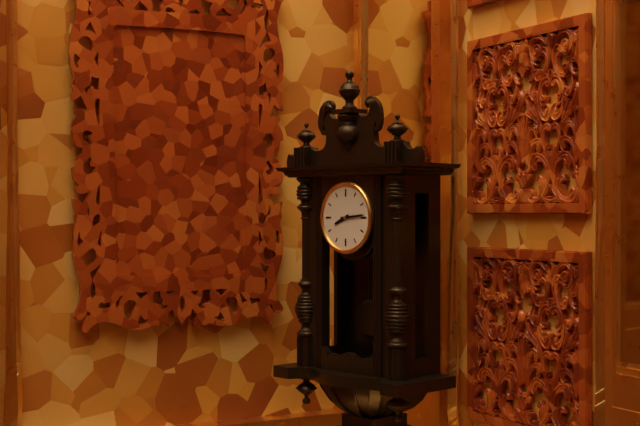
8h14
